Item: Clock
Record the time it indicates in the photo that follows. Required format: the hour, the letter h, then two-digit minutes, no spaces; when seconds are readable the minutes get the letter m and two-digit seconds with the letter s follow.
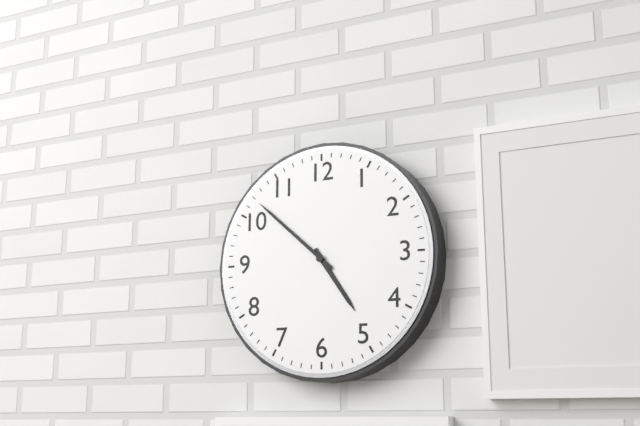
4h52
